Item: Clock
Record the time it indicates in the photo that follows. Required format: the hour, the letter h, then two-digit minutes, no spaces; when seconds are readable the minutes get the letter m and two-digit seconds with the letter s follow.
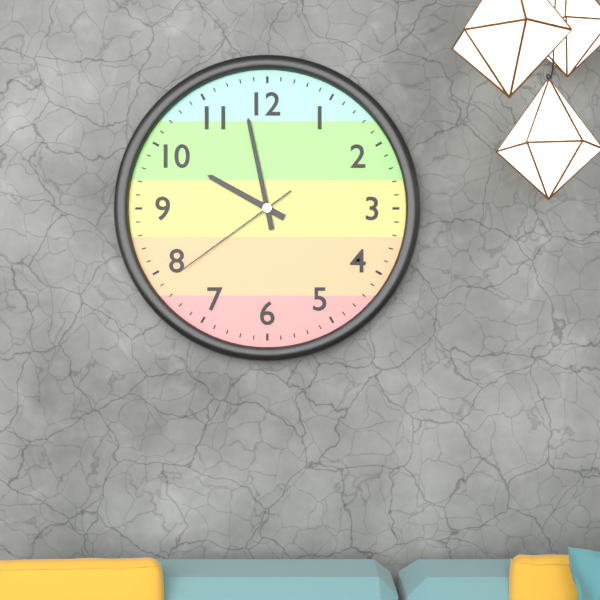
9h58m39s
